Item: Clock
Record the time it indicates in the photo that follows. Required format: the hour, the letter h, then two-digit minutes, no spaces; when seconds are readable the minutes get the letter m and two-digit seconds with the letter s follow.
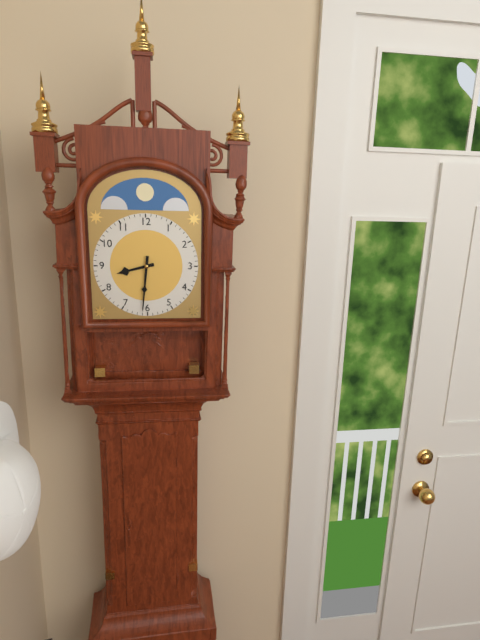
8h31
